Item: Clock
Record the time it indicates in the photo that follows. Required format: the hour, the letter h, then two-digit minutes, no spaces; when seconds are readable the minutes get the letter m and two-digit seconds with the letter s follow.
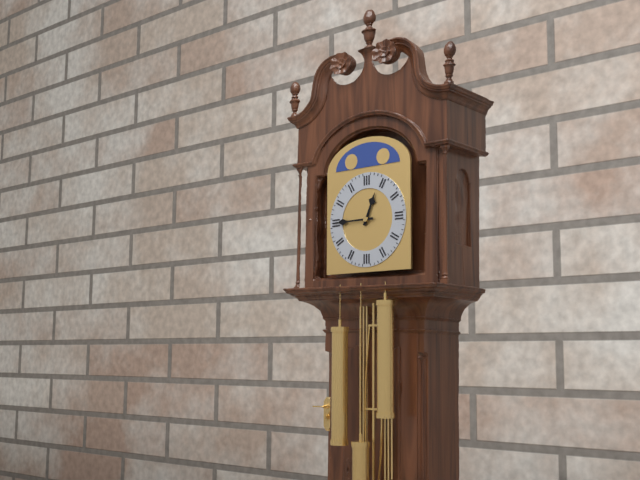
12h45
